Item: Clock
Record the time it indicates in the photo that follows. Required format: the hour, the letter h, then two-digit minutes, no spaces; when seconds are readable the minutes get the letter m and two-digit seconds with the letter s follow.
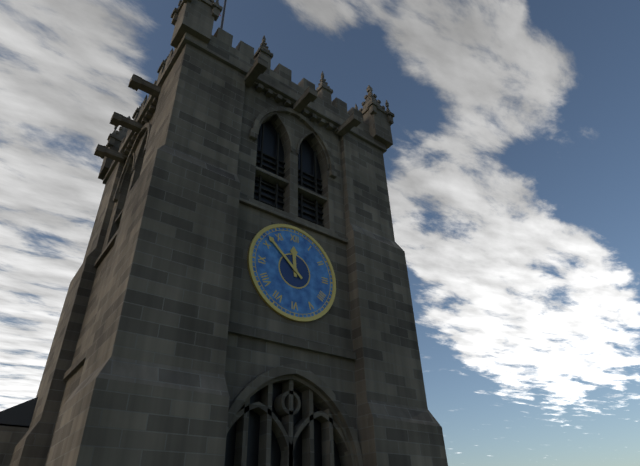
11h52
